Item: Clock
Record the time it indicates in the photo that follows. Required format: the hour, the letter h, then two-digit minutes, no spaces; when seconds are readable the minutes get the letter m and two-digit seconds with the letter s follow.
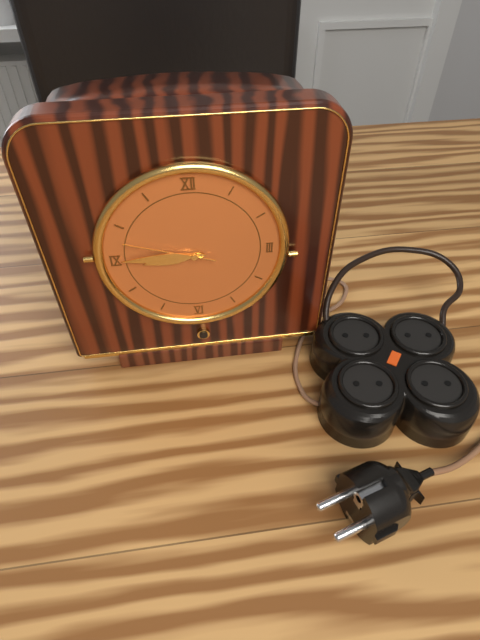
8h45m48s
